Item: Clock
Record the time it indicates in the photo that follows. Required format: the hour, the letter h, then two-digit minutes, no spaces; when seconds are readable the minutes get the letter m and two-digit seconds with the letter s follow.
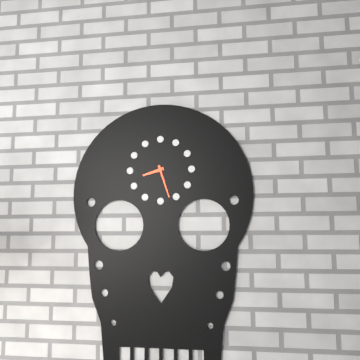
8h27
